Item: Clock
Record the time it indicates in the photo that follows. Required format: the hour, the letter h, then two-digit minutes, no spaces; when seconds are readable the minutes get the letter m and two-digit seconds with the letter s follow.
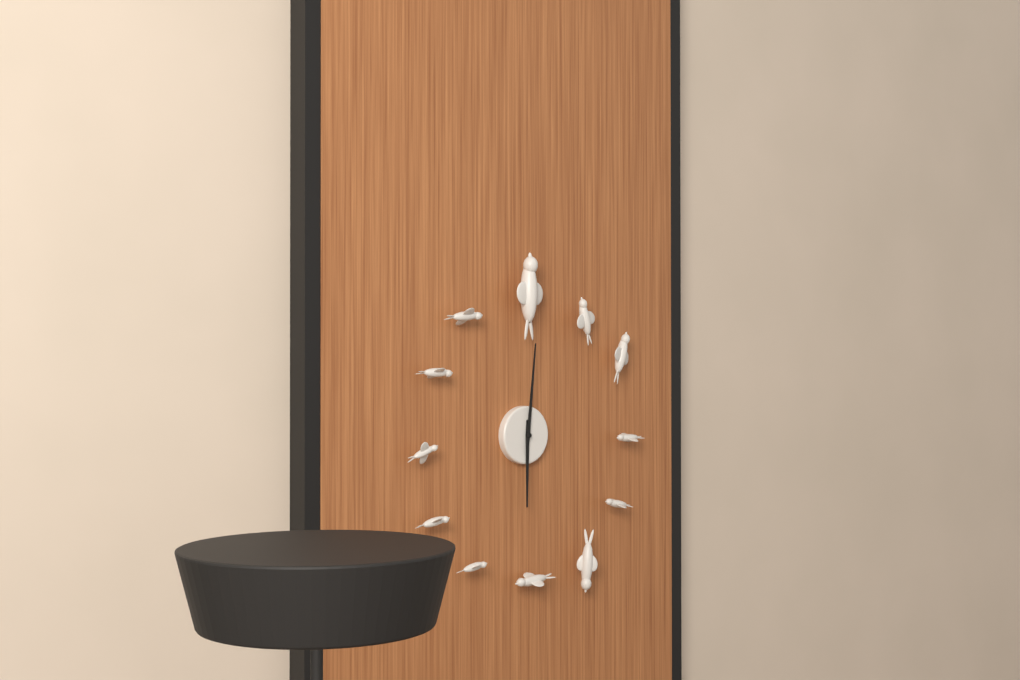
6h01
